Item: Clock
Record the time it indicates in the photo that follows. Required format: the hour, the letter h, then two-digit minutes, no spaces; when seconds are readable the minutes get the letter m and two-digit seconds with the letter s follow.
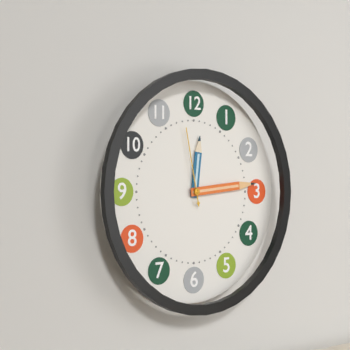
12h14m58s
